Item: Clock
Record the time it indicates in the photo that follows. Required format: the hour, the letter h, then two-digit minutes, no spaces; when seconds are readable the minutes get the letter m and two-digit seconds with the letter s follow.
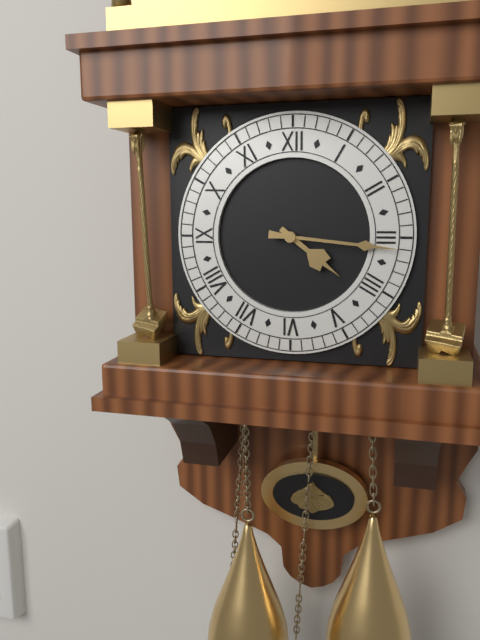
4h16
